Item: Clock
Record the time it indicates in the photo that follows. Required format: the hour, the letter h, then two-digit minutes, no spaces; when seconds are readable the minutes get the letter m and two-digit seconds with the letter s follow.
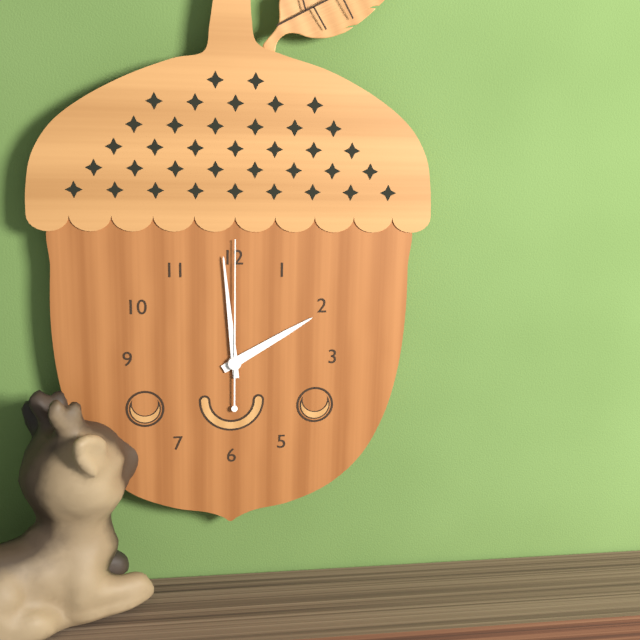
1h59m00s
